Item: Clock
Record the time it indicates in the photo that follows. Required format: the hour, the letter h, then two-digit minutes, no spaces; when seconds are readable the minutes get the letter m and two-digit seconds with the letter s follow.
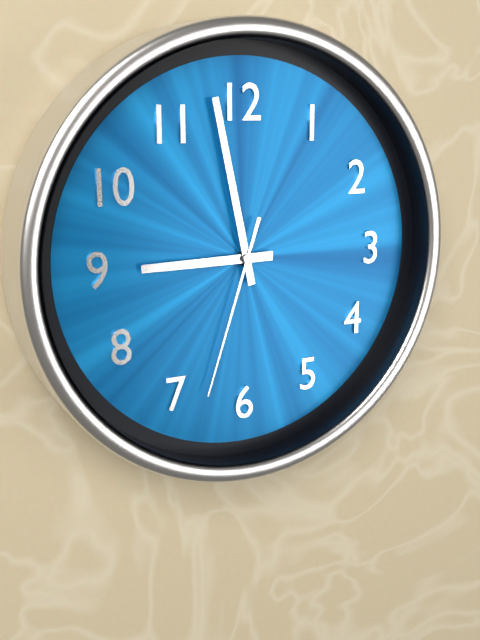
8h58m33s
